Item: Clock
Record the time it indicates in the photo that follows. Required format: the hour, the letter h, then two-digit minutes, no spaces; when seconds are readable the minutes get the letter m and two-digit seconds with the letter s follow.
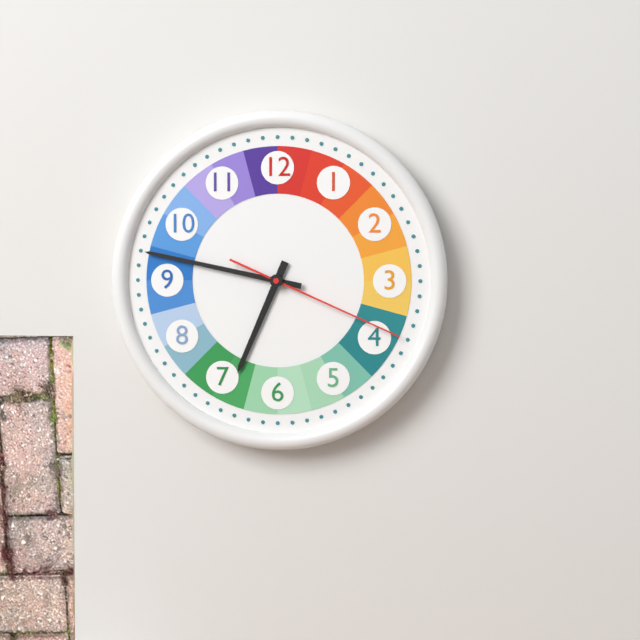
6h47m19s
